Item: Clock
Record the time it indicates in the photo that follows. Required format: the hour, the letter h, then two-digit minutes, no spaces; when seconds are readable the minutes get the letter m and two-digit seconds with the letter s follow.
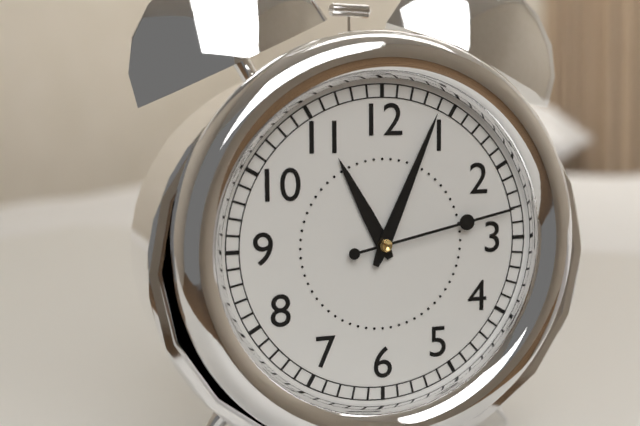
11h04m13s
